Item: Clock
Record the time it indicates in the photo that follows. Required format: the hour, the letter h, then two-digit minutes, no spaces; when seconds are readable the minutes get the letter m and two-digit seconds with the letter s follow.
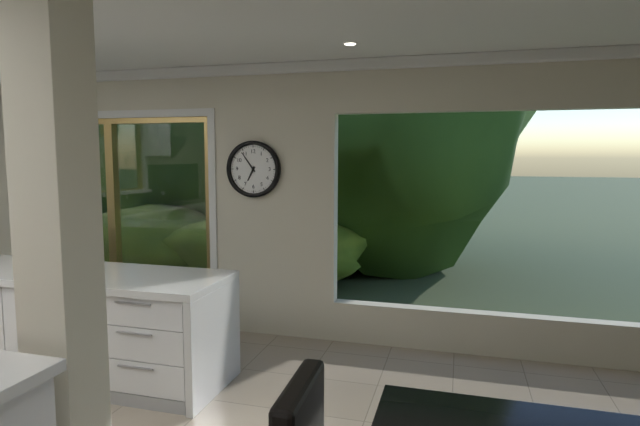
6h54
